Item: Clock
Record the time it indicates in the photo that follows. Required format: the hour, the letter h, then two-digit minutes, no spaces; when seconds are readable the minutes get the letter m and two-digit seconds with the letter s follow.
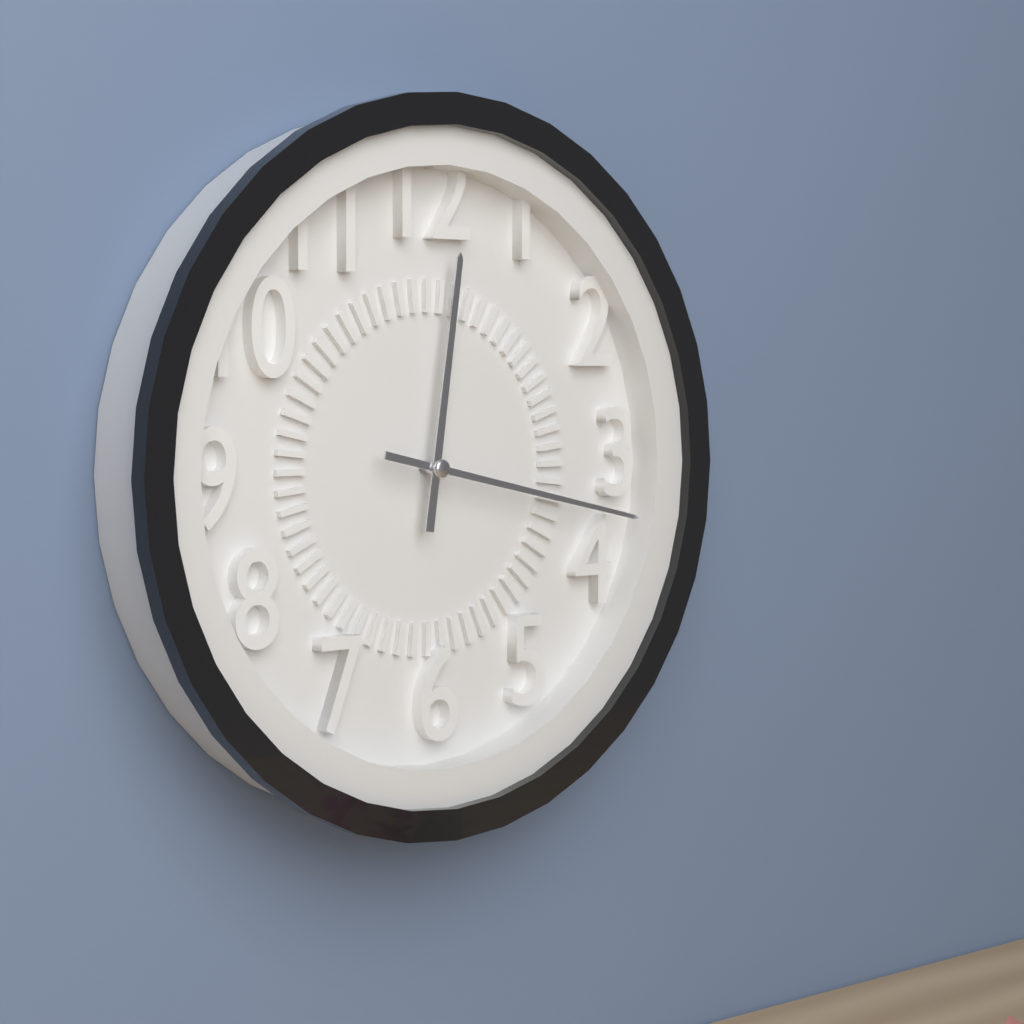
12h17
